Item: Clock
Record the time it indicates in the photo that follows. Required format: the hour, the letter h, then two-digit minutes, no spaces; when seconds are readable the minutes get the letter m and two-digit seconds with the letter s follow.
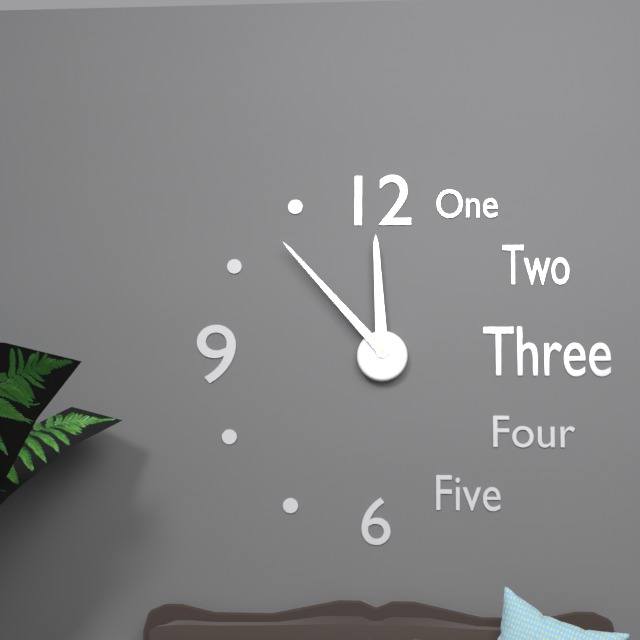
11h53
